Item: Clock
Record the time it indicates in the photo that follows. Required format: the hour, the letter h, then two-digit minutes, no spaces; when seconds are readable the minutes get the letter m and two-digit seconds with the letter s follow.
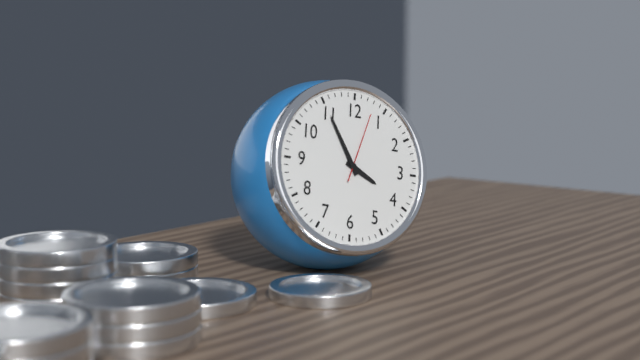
3h55m03s
